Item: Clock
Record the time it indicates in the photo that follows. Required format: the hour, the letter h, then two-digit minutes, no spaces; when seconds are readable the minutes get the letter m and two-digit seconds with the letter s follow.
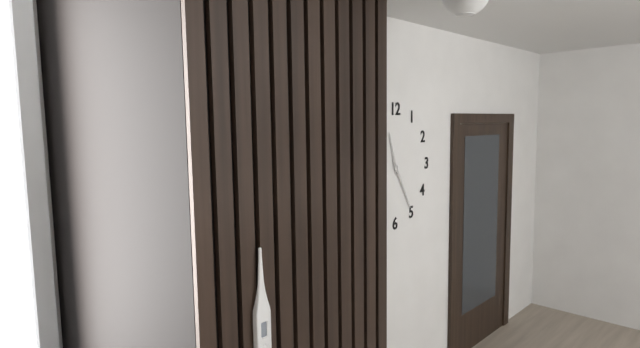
11h25
